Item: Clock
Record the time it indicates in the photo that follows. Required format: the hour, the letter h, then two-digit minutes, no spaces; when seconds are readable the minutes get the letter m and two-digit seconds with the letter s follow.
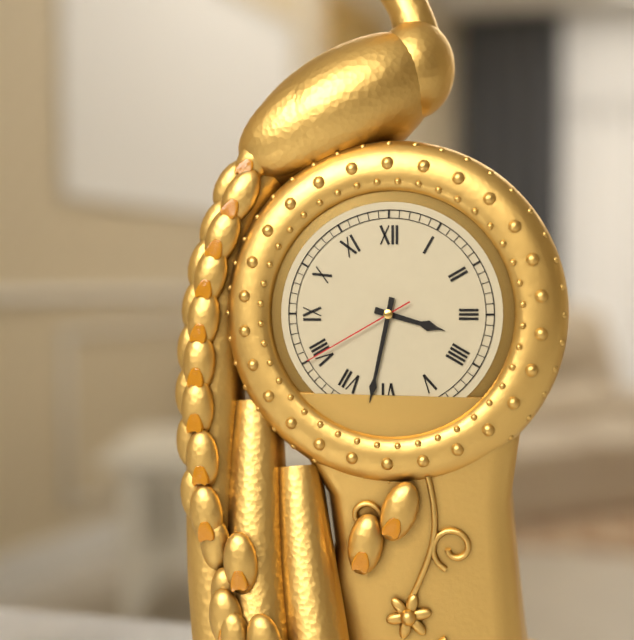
3h32m40s
